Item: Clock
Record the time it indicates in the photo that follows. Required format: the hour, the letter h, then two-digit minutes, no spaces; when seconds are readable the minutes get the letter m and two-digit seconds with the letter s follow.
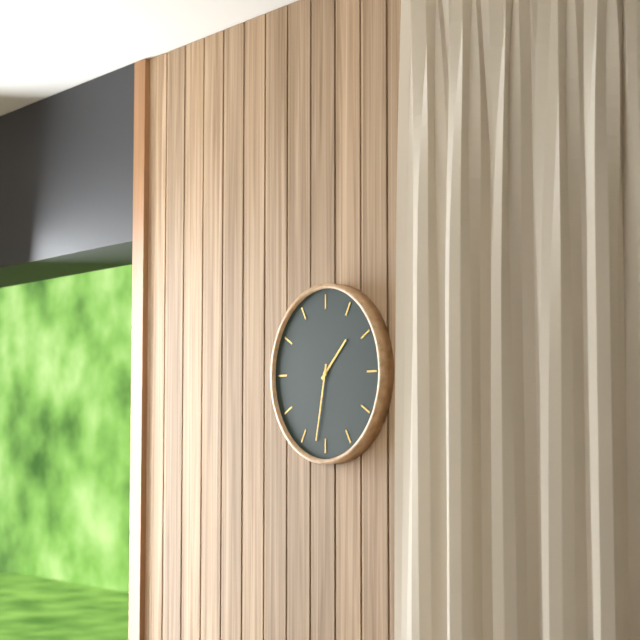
1h32
